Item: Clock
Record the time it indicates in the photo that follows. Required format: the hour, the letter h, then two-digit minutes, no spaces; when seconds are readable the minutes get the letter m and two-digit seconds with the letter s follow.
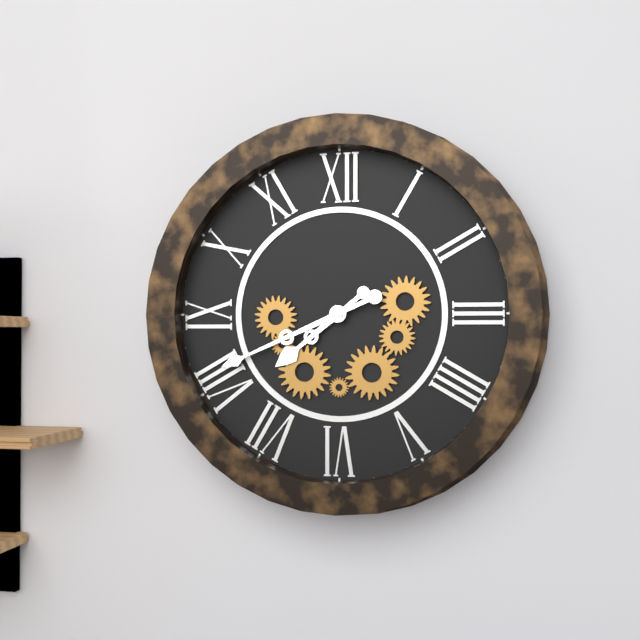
7h41
